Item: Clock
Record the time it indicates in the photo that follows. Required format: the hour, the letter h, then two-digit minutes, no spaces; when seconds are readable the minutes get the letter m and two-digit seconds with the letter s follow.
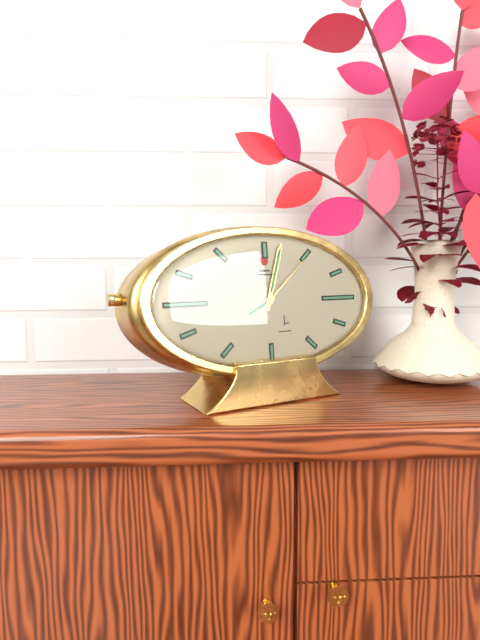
8h03m08s
